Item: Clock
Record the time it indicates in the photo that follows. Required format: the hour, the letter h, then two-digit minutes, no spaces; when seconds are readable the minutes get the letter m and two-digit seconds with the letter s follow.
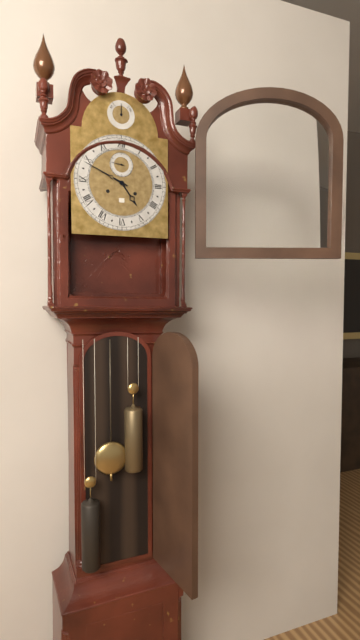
4h49
